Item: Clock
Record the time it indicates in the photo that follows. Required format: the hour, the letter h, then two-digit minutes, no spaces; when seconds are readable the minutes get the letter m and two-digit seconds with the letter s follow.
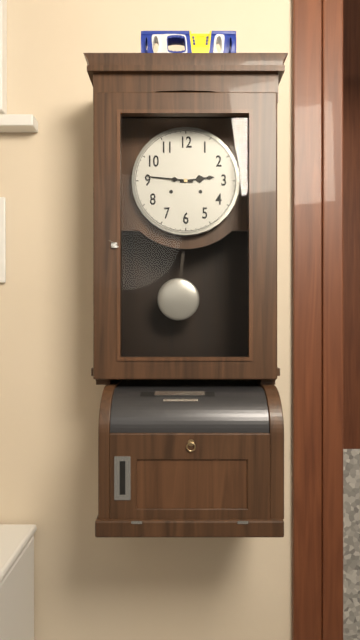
2h46
